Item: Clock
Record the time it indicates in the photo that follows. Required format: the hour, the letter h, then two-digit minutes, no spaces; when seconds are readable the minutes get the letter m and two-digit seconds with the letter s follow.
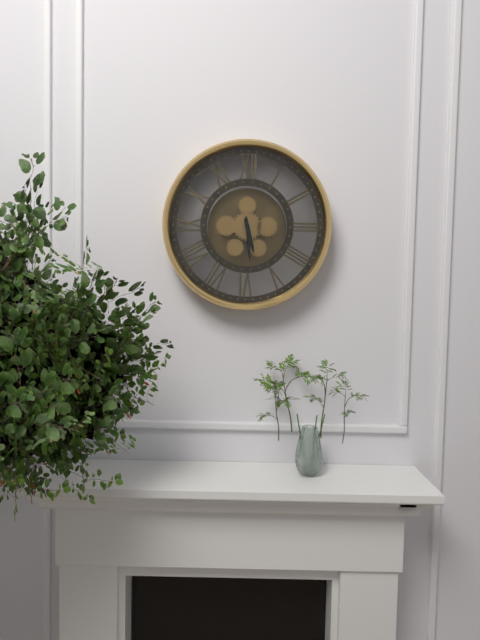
5h29
